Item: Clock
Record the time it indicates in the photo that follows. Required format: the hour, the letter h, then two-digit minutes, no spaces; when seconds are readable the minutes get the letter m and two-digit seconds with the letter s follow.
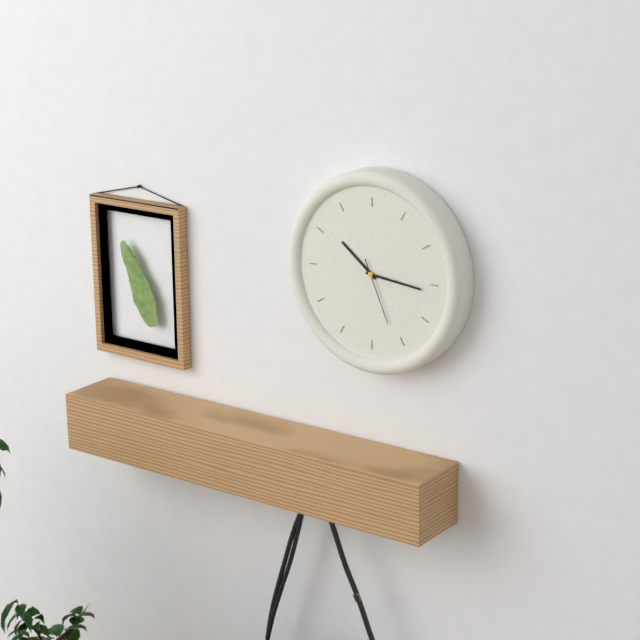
10h16m26s
